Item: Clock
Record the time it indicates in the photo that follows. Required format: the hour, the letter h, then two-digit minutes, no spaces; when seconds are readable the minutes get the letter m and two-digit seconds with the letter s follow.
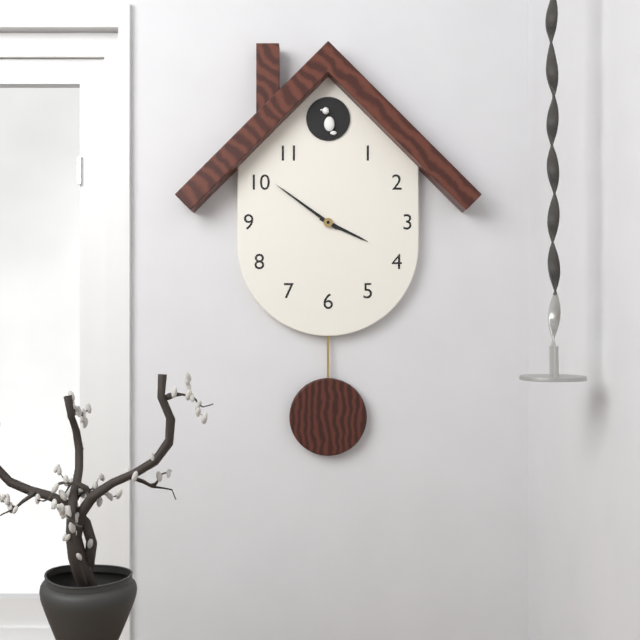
3h51
